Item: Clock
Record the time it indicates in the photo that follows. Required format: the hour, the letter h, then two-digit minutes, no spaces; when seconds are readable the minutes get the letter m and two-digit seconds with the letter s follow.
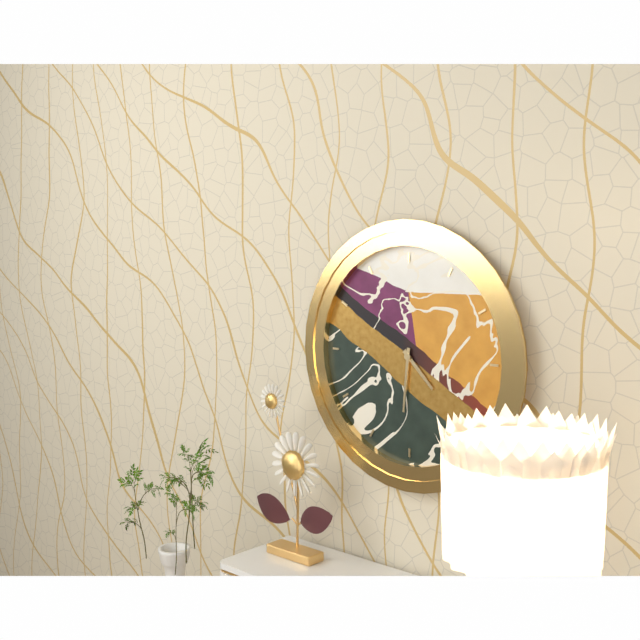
4h31
